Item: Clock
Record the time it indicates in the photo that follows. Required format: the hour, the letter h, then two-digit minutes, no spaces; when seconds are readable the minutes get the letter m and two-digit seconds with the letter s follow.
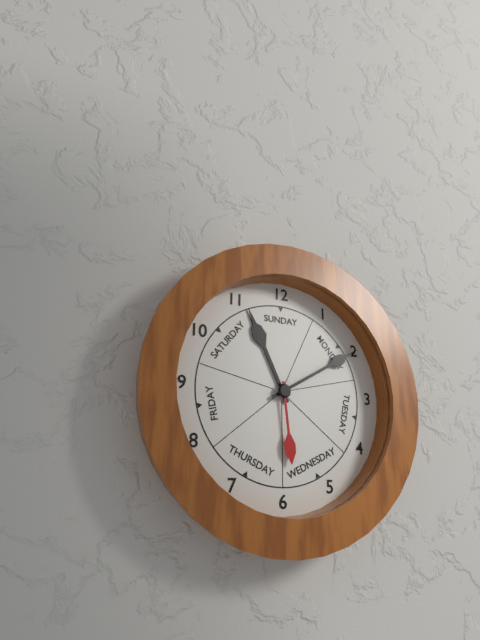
11h10m29s
